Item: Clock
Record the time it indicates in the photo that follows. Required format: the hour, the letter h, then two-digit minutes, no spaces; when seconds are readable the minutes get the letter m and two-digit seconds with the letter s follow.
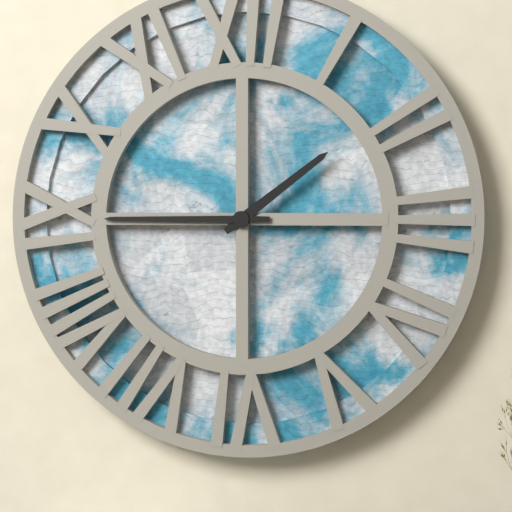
1h45
